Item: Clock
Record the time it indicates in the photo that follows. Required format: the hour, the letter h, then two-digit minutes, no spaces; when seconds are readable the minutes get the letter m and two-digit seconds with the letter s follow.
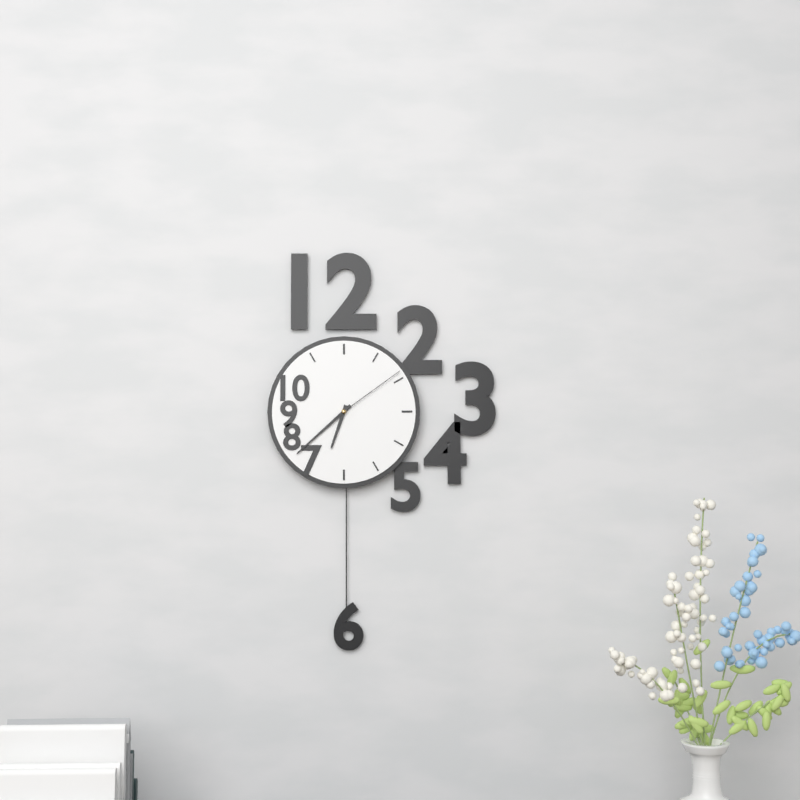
6h38m09s
